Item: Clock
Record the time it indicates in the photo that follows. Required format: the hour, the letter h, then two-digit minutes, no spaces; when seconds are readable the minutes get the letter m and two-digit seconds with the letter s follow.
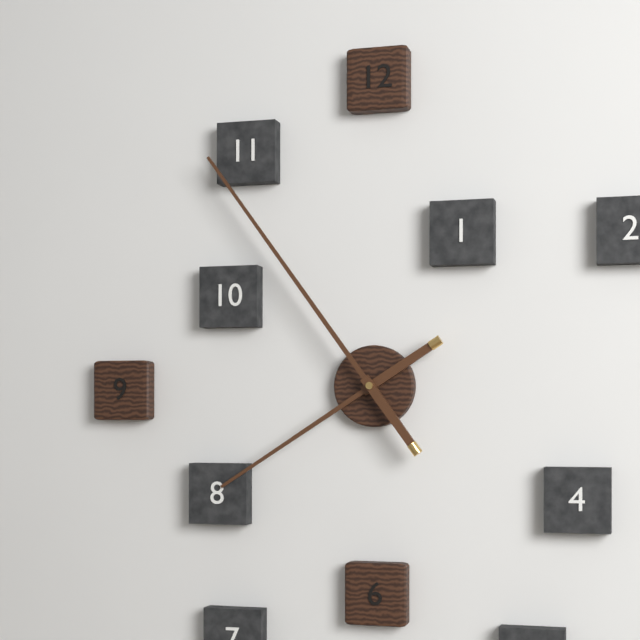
7h54
